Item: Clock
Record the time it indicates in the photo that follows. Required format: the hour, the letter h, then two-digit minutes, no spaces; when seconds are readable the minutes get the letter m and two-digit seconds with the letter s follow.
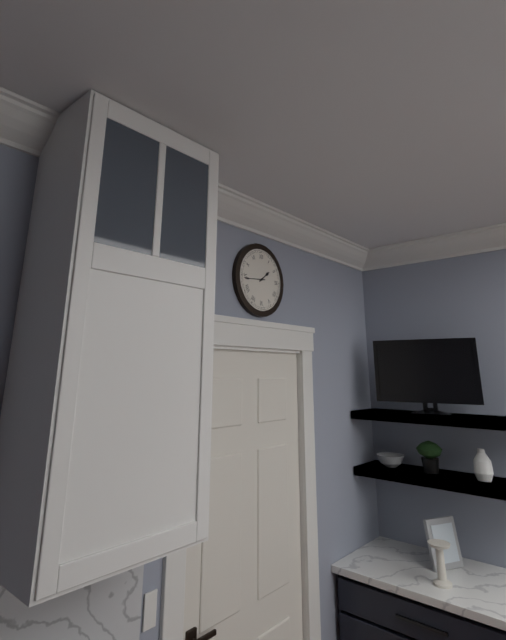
1h44
